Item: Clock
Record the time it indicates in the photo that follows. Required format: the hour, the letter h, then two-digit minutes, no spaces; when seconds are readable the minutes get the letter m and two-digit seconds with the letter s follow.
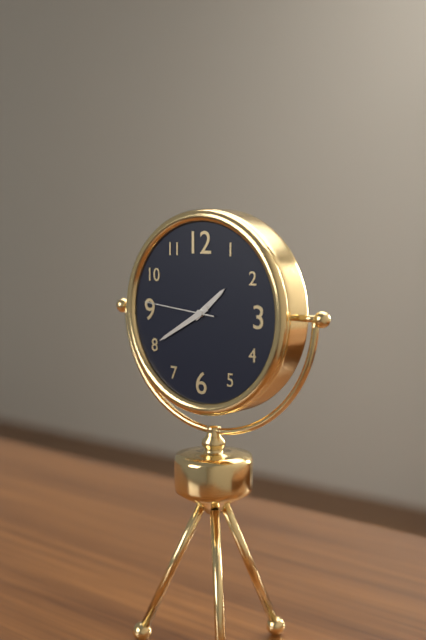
1h40m46s
